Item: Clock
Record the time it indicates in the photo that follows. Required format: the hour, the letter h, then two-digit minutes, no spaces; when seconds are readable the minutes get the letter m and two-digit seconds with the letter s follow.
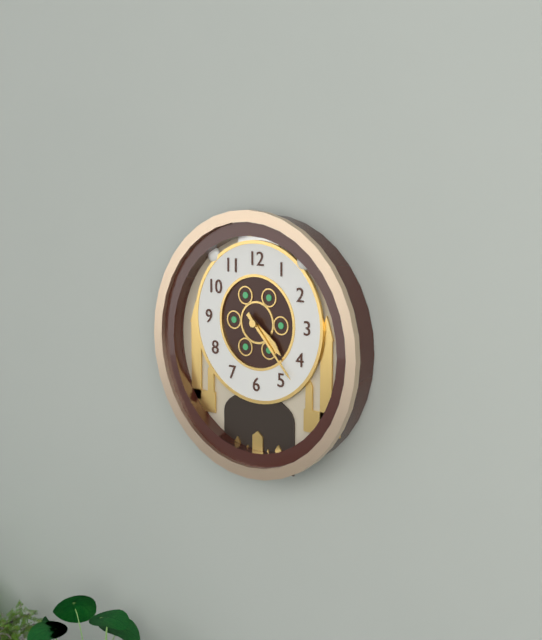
4h23
